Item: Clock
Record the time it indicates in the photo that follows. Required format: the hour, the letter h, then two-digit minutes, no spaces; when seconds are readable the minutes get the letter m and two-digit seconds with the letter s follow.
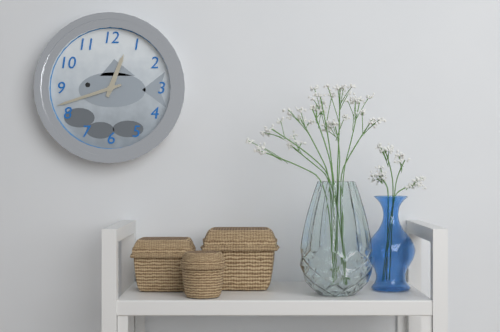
12h42
